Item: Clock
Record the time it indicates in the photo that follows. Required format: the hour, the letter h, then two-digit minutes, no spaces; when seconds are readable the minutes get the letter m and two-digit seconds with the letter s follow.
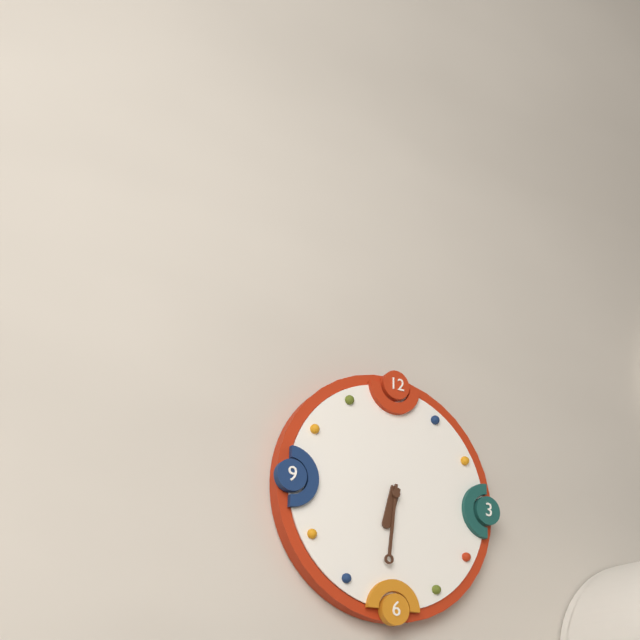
6h31
